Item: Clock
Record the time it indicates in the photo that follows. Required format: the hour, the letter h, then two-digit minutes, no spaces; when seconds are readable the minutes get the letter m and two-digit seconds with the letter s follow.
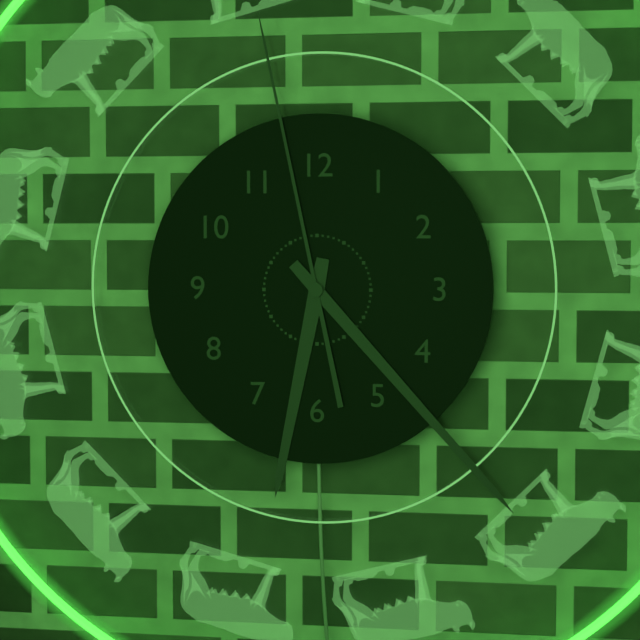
6h23m58s
